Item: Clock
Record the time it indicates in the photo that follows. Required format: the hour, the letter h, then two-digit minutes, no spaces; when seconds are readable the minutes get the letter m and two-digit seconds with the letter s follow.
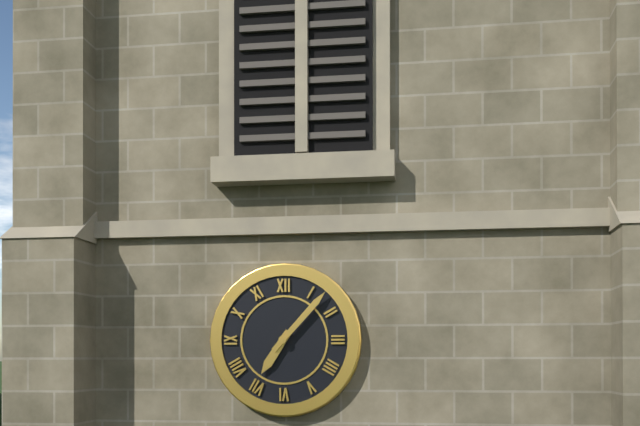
7h07
